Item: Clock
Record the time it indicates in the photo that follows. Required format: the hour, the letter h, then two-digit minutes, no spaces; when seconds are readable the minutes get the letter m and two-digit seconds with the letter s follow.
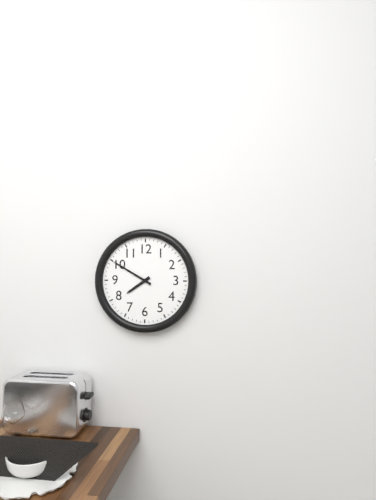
7h50
